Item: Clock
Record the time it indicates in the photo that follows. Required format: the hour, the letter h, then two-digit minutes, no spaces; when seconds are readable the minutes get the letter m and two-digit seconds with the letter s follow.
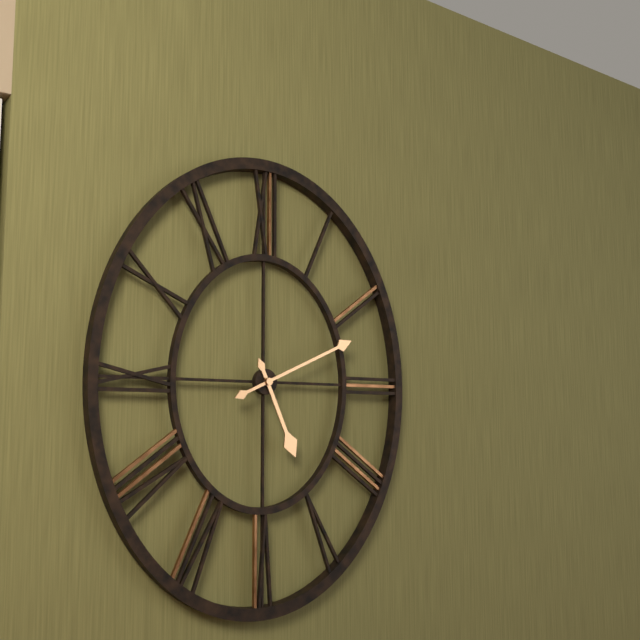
5h11
